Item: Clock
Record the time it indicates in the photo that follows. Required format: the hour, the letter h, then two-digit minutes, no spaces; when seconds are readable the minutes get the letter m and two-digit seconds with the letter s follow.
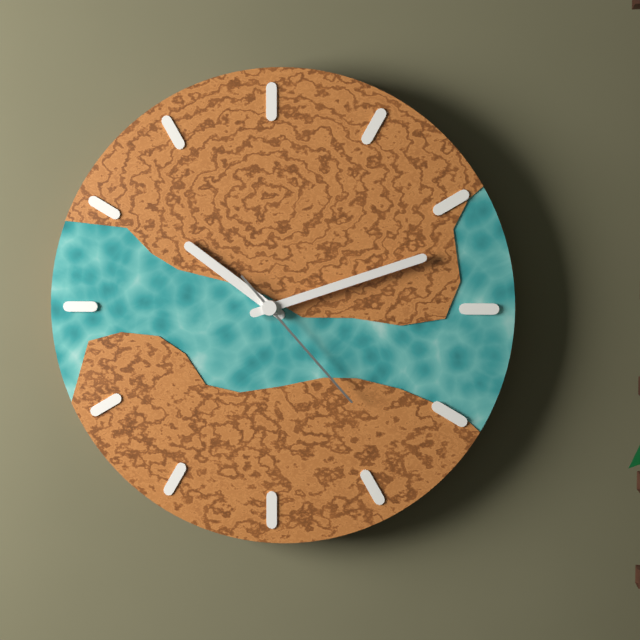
10h12m23s
